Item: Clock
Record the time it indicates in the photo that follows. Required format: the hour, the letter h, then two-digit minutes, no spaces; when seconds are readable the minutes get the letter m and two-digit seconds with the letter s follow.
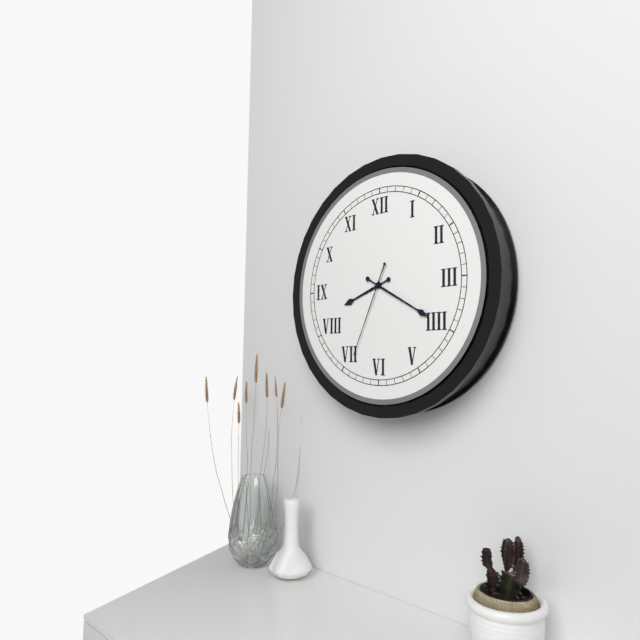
8h20m34s
